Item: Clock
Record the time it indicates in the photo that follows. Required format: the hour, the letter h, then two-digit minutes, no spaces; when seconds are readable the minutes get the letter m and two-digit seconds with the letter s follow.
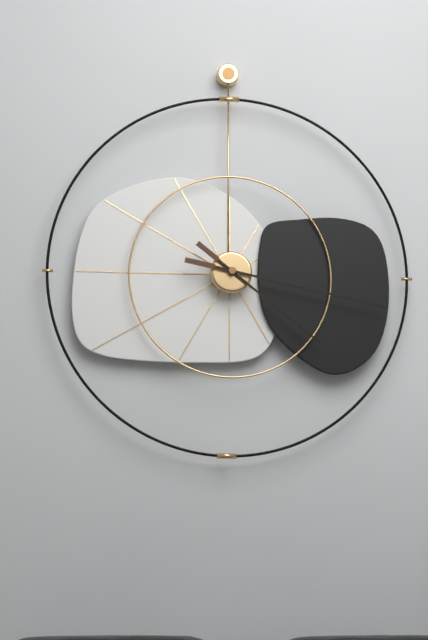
4h17
